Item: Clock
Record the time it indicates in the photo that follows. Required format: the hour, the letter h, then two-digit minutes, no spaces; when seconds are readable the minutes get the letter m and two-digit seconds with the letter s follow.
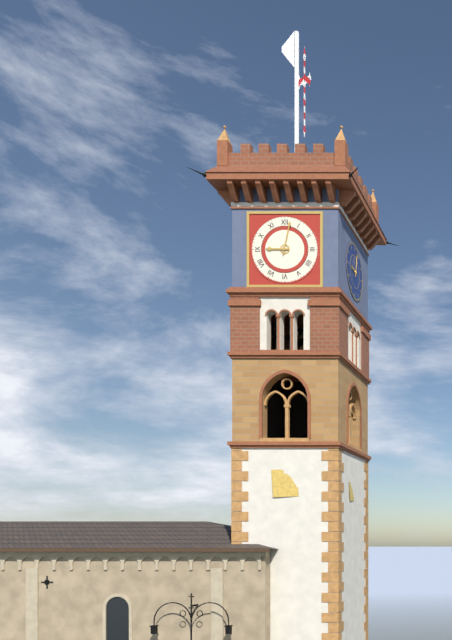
9h02
